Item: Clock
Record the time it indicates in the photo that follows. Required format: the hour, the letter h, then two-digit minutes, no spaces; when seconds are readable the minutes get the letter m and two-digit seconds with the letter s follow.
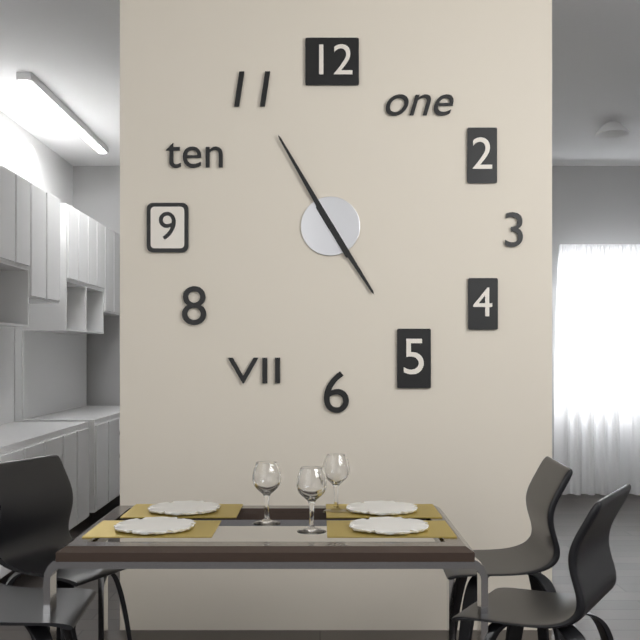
4h55
